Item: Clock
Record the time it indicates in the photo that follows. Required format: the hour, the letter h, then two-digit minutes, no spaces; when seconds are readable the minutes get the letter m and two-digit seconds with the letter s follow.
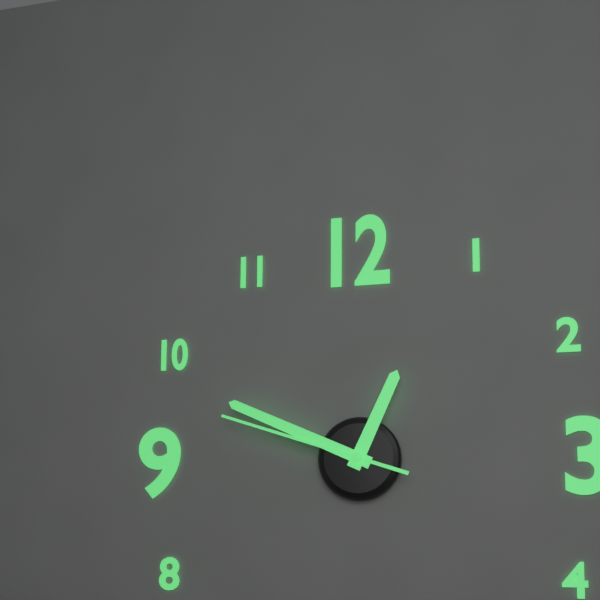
12h49m48s
